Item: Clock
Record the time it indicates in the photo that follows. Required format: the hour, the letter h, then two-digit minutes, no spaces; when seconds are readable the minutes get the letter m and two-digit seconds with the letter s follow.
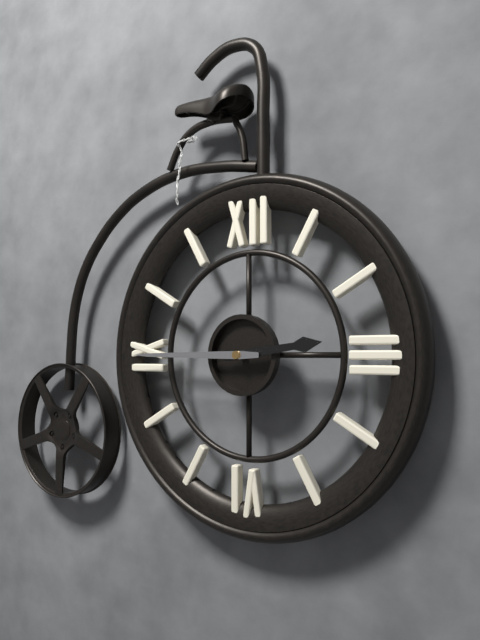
2h45
